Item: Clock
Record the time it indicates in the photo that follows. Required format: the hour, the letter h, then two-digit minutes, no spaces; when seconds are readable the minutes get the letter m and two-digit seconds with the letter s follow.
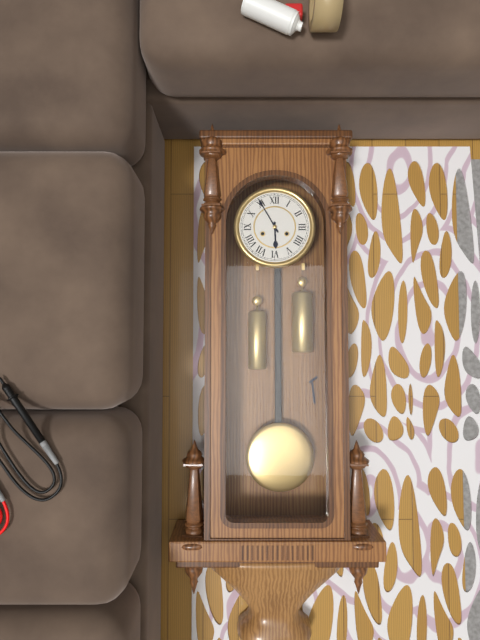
5h55
